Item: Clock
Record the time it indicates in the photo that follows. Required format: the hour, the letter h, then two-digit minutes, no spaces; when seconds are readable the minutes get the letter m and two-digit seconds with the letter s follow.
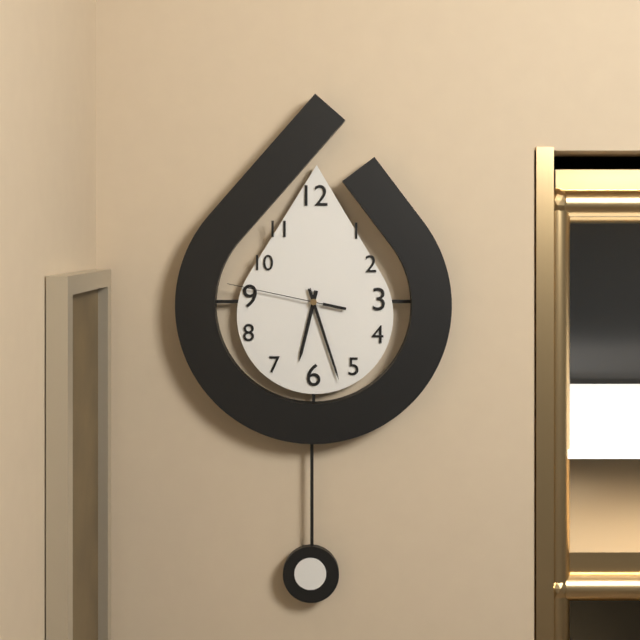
6h27m47s
